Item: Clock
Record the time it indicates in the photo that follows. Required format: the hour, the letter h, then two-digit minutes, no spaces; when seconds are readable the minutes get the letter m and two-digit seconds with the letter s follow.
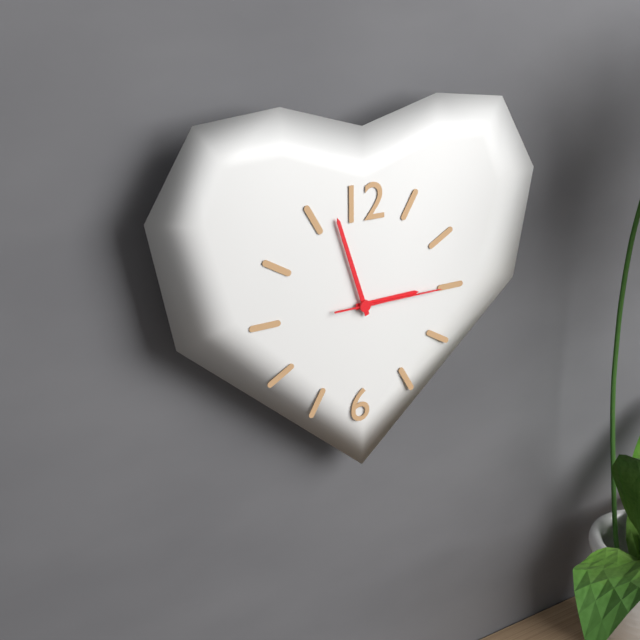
2h57m15s
